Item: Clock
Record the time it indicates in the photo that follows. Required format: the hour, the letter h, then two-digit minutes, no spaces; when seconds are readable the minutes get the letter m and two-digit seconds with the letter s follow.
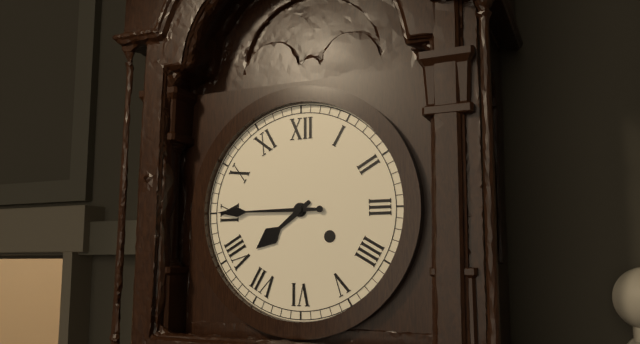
7h45
